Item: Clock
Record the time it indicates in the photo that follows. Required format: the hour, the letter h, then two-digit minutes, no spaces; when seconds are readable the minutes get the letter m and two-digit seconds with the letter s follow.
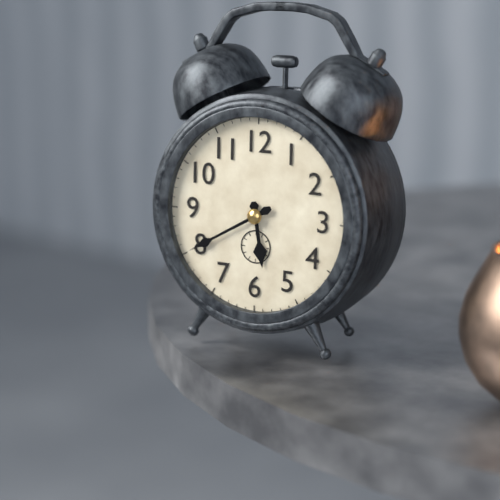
5h40
